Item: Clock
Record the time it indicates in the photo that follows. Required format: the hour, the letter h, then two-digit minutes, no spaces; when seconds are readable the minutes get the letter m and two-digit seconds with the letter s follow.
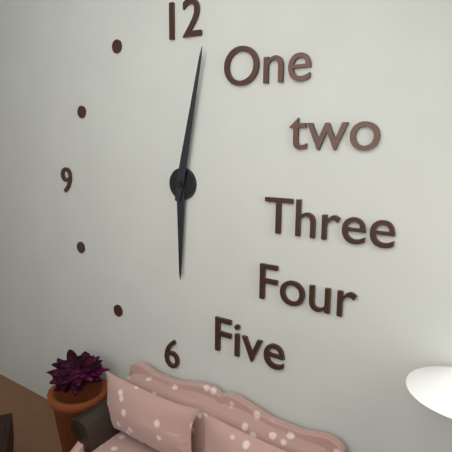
6h02
